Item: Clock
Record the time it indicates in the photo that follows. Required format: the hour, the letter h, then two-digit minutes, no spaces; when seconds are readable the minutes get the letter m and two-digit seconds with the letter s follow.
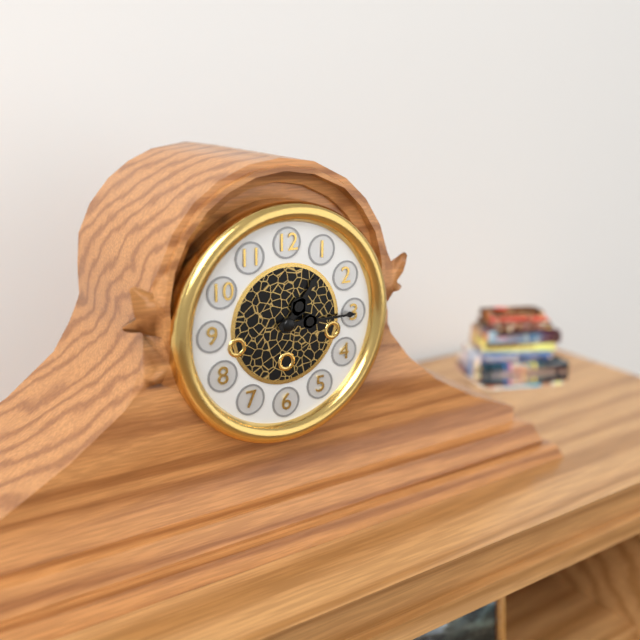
1h15
